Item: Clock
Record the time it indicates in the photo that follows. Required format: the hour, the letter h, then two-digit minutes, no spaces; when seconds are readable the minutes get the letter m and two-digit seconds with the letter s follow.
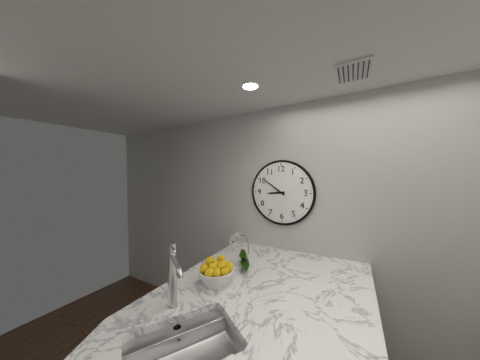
8h51
